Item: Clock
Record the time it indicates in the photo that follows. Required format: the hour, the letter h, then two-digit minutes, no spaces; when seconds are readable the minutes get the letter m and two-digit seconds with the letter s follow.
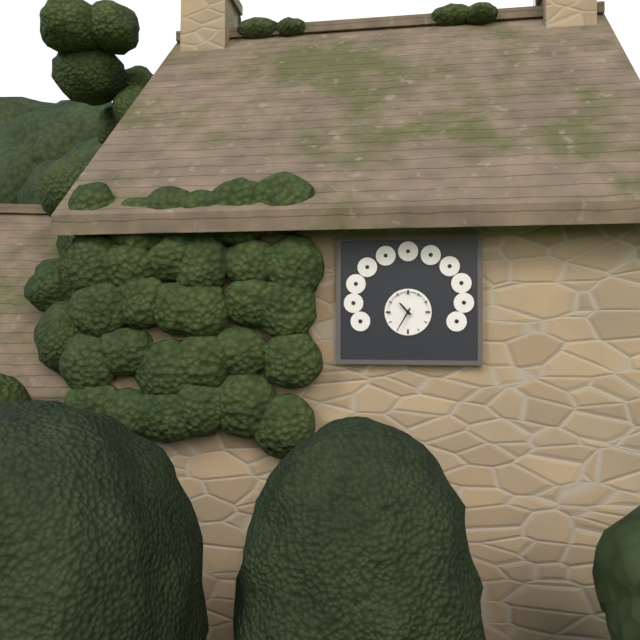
10h35
